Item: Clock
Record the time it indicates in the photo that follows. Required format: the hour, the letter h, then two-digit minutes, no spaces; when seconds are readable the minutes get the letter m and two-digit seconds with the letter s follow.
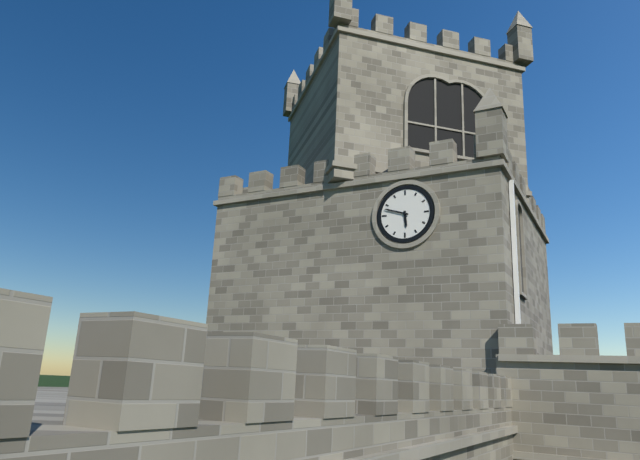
5h48
